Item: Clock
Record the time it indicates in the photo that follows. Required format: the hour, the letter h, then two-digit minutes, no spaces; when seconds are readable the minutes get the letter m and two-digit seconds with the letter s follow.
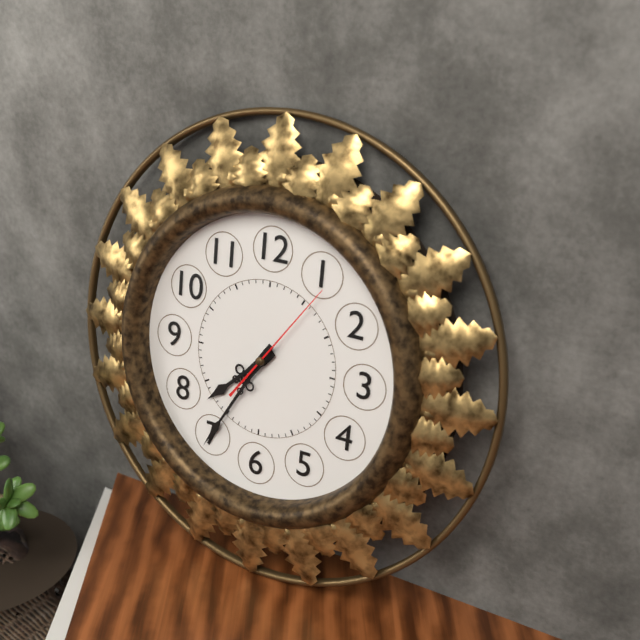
7h35m06s
